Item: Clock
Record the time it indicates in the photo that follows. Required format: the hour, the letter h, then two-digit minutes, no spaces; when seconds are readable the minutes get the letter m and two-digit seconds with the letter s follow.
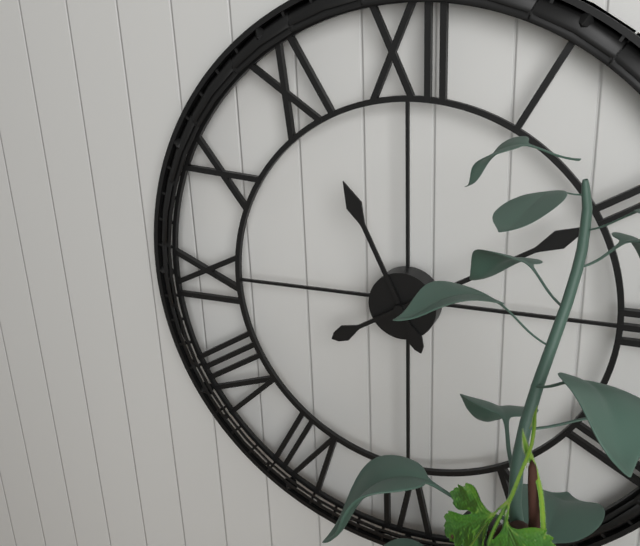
11h10
